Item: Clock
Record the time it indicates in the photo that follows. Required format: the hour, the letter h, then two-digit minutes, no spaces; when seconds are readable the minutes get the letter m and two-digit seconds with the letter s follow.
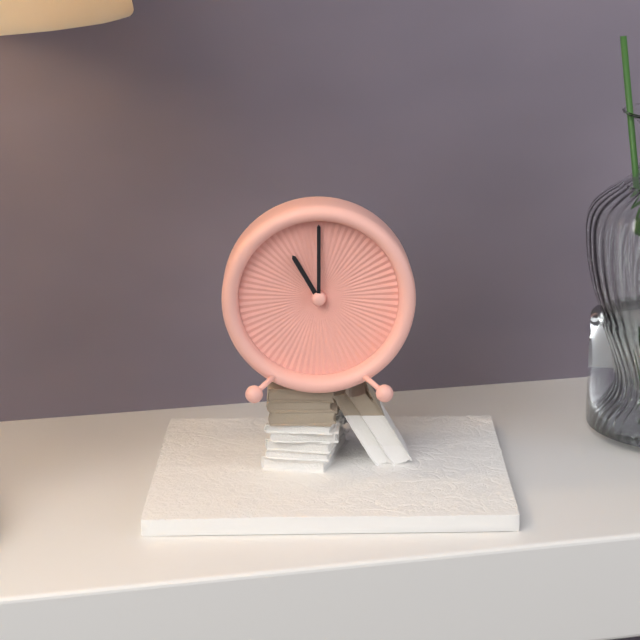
11h00
